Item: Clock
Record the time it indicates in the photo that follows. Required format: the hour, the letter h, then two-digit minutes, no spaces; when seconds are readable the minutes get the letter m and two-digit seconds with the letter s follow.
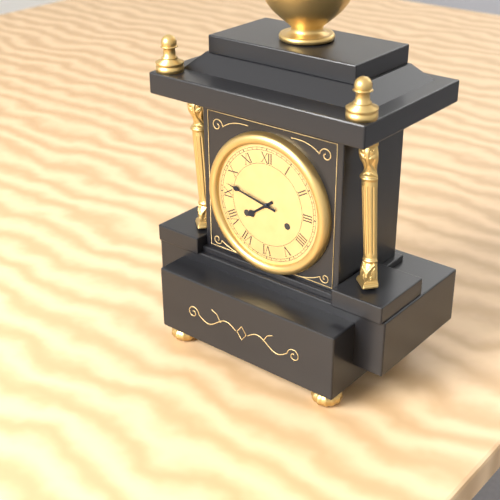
7h47
